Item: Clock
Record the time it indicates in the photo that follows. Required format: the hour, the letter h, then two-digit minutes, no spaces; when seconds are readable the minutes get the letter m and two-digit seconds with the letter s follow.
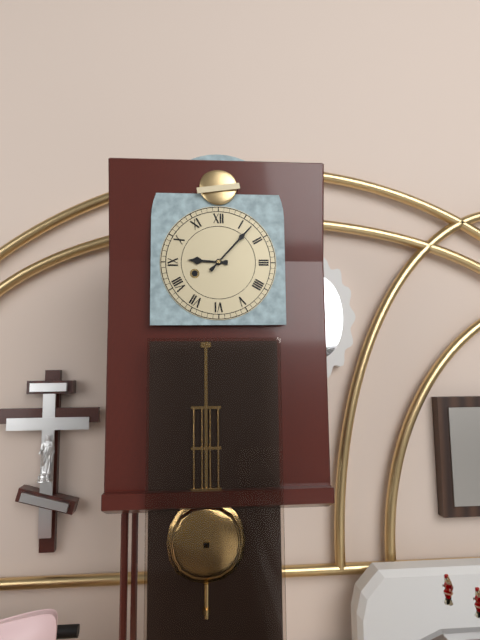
9h07
